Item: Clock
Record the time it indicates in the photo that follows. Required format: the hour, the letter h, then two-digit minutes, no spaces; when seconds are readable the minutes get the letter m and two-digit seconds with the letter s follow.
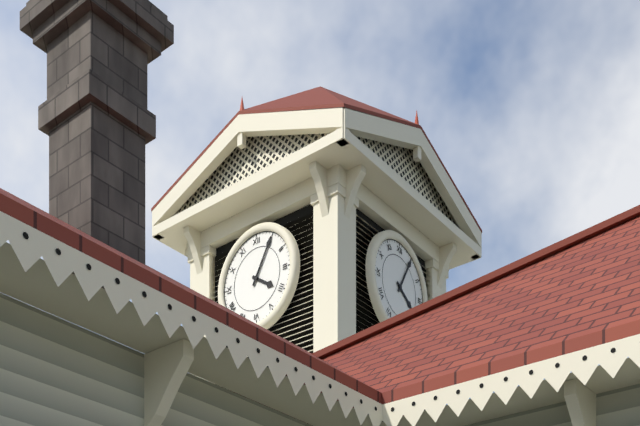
4h05
